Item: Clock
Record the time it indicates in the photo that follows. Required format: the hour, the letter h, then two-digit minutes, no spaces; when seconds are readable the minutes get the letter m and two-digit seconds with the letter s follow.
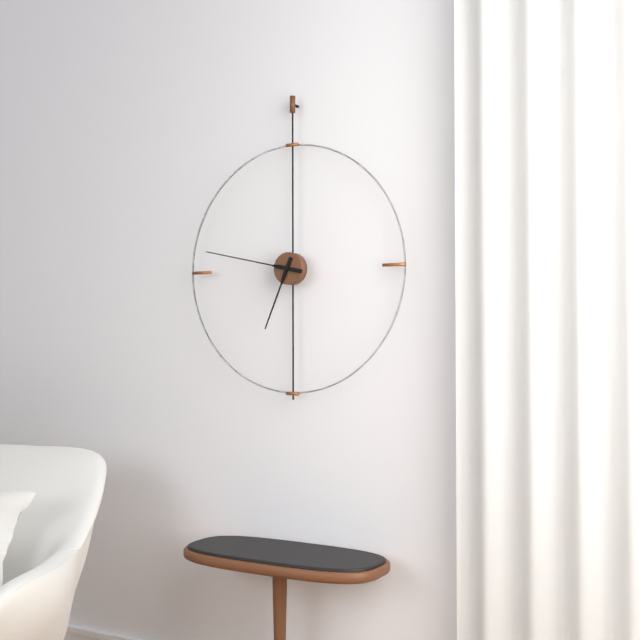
6h47
